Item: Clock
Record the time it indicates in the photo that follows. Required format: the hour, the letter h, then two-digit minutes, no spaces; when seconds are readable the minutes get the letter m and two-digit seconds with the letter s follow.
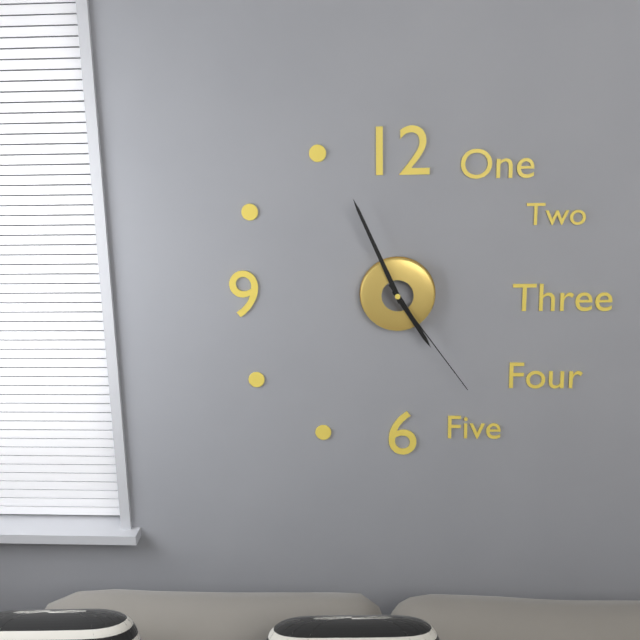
4h56m24s
